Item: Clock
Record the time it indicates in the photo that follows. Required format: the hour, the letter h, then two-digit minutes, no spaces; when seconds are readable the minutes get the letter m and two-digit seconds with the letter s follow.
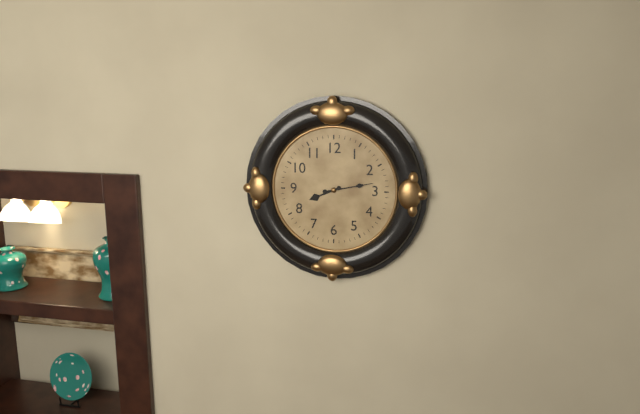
8h13
